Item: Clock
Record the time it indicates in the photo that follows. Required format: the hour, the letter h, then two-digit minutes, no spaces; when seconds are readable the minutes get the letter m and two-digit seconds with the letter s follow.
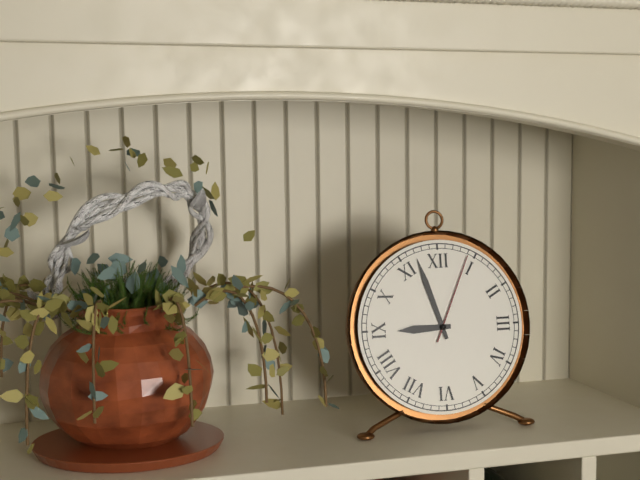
8h57m04s
